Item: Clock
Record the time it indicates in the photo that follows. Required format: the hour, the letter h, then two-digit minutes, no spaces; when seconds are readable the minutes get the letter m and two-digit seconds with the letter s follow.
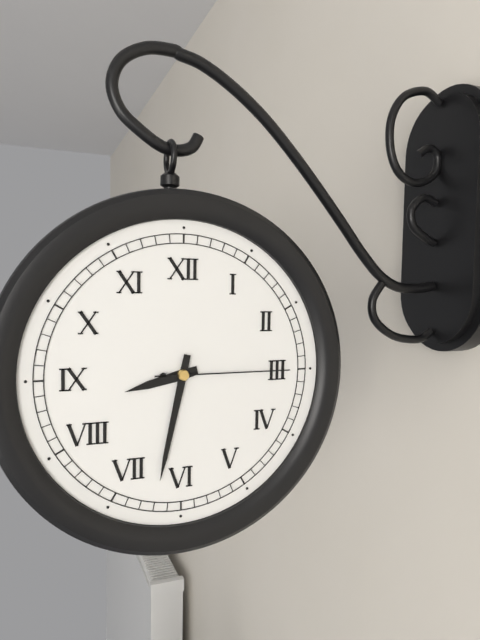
8h32m15s
